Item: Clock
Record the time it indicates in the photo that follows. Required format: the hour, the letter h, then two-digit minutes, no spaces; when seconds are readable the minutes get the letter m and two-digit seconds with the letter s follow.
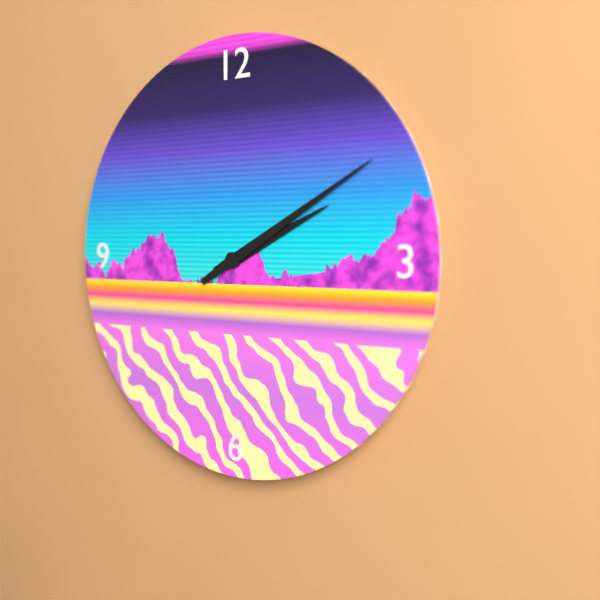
2h10
